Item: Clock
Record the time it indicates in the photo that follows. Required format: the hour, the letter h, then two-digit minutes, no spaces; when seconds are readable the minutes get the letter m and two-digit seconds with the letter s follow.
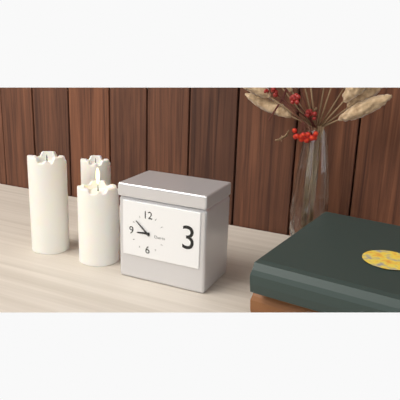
8h52
